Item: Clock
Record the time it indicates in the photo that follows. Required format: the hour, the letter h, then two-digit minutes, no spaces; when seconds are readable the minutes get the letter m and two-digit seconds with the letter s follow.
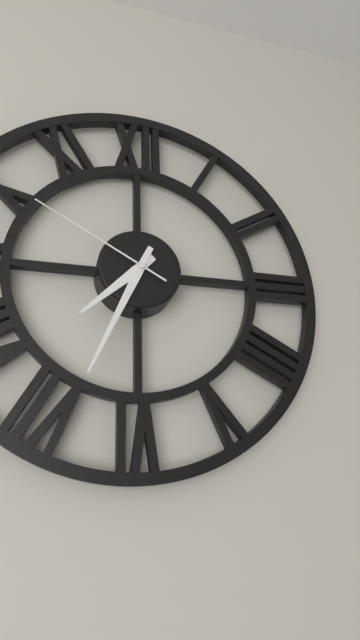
7h34m50s
